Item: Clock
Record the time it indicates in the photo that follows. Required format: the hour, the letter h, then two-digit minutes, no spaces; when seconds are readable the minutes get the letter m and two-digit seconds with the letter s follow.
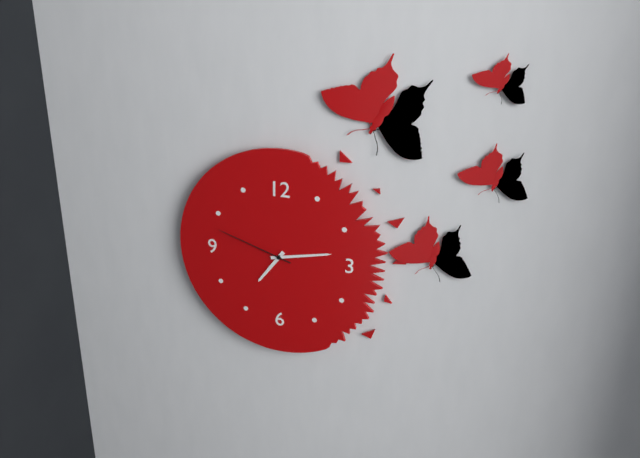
7h13m48s
